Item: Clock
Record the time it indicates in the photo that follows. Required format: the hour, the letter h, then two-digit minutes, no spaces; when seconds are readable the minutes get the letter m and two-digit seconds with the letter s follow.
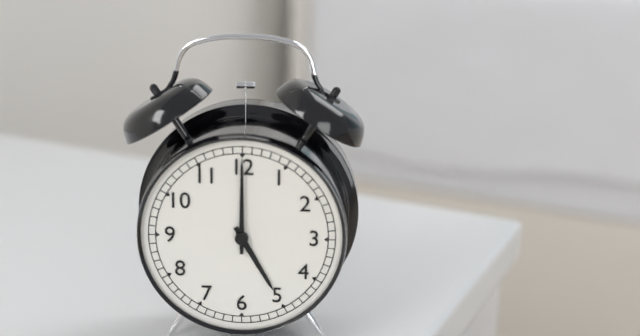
5h00
